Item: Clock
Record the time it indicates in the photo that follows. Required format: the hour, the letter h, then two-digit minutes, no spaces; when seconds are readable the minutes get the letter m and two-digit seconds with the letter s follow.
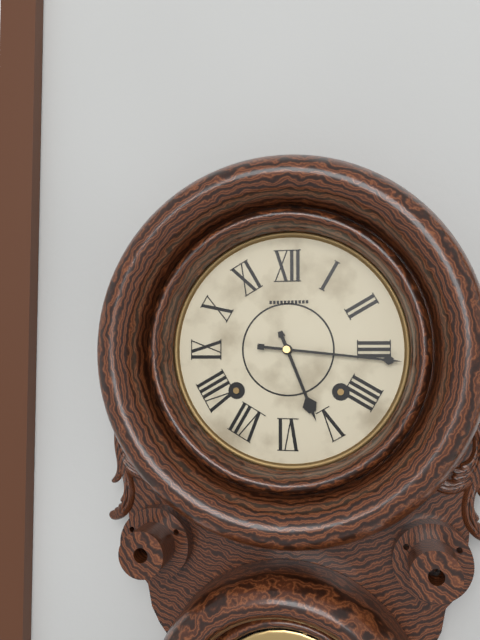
5h16
